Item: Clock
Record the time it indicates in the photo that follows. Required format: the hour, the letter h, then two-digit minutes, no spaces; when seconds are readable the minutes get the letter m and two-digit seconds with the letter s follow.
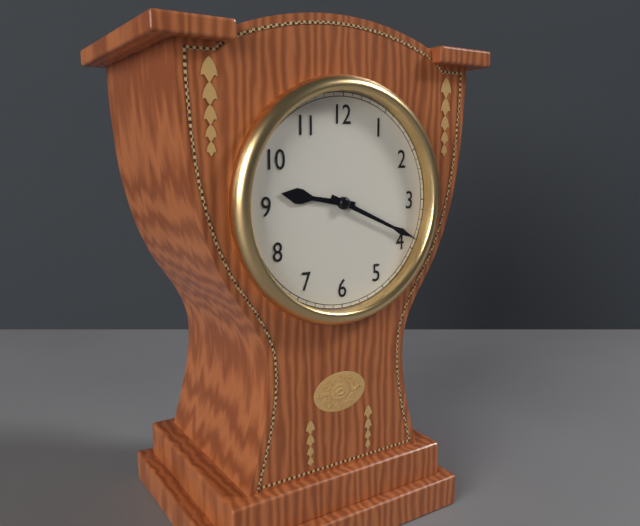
9h19
